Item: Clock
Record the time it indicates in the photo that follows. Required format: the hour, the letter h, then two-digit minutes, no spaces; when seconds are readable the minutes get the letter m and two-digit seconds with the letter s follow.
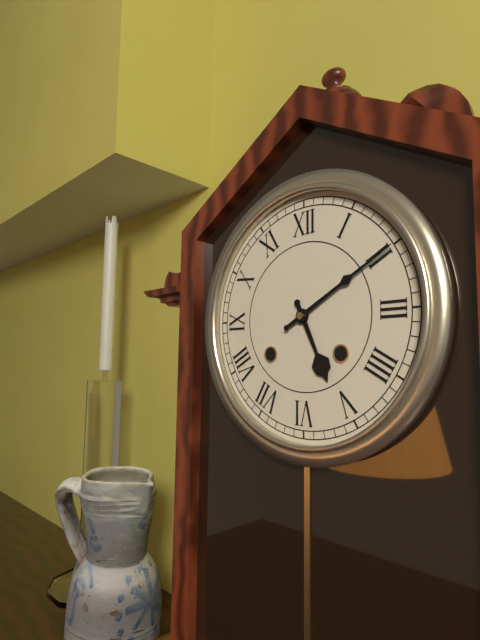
5h10
